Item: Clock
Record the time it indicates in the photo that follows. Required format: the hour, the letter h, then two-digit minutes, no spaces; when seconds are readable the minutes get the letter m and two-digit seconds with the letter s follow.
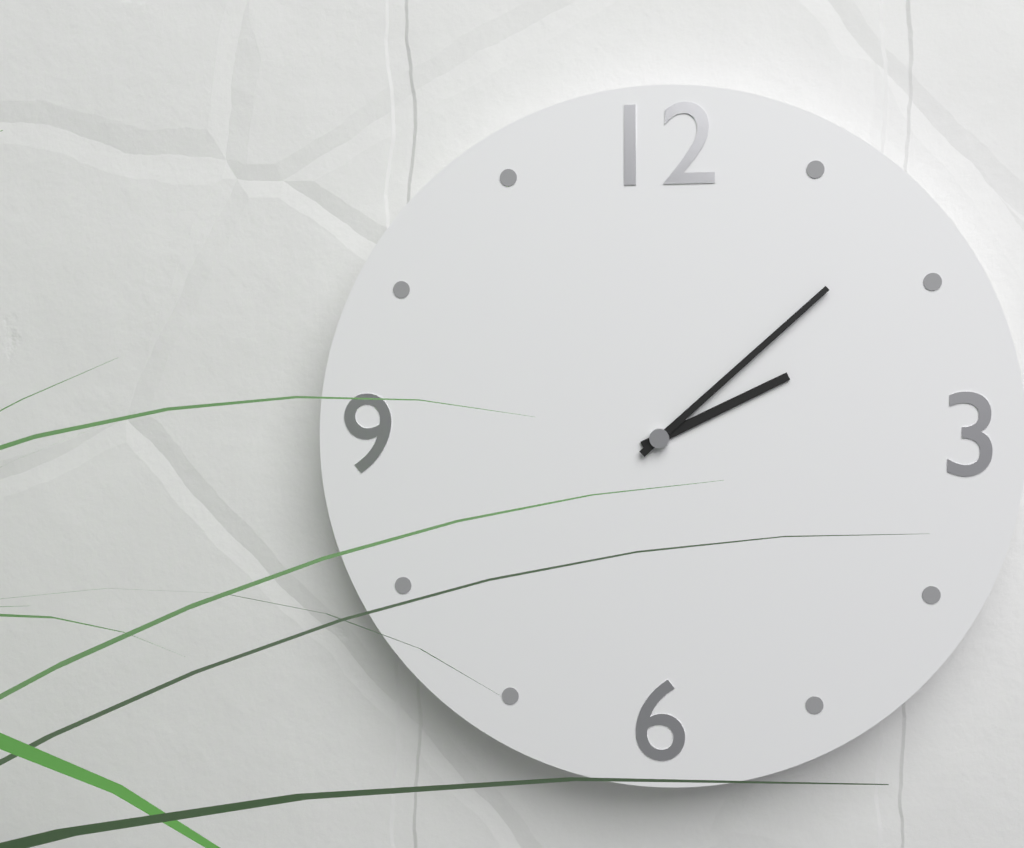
2h08
